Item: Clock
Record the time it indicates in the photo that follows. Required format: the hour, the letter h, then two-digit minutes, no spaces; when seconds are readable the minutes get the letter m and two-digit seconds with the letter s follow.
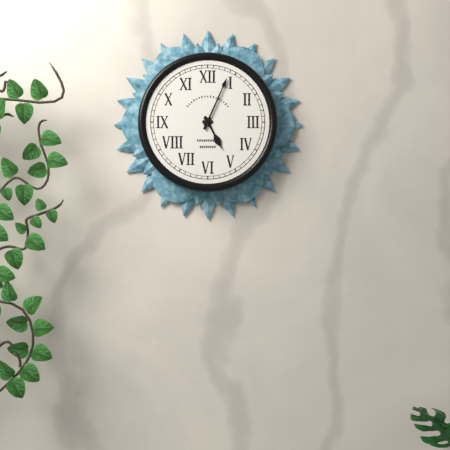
5h04
